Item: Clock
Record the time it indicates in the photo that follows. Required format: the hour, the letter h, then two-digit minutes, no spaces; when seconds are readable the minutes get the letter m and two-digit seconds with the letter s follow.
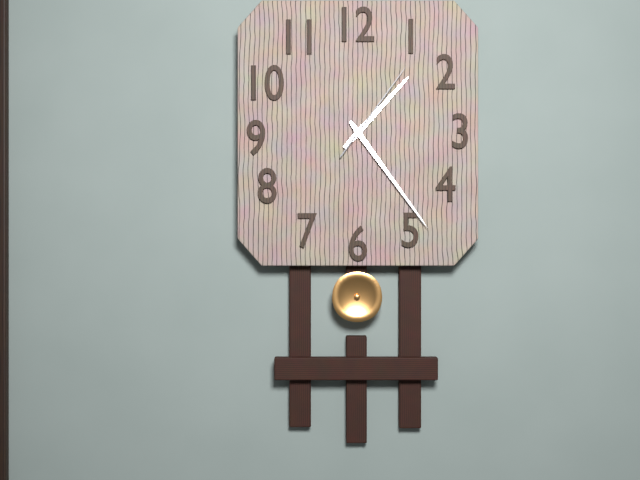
1h24m06s
